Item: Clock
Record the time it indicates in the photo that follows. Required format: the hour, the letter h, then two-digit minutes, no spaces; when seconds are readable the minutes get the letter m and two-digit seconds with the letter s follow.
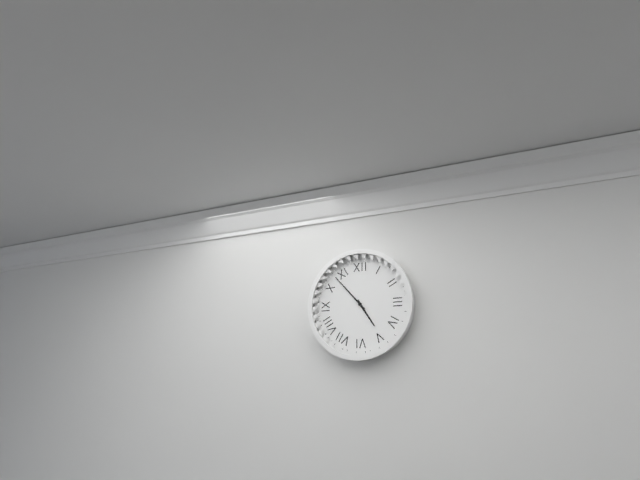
4h53
